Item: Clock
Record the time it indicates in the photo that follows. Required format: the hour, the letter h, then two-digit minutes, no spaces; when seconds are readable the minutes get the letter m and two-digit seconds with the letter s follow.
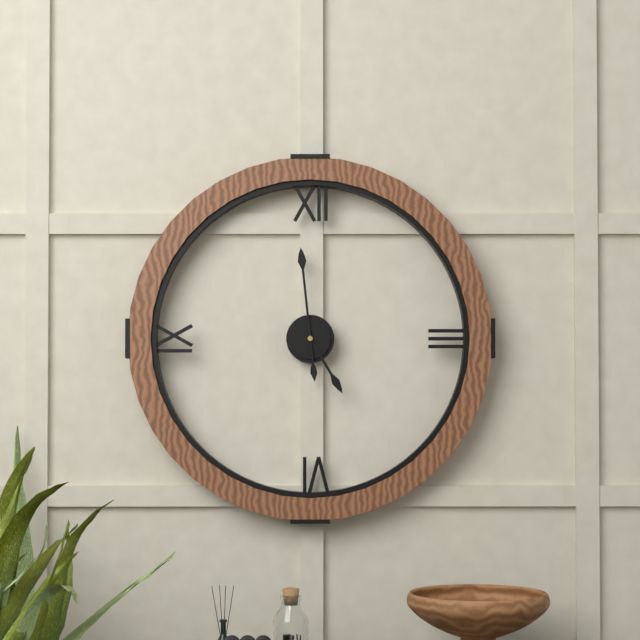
4h59
